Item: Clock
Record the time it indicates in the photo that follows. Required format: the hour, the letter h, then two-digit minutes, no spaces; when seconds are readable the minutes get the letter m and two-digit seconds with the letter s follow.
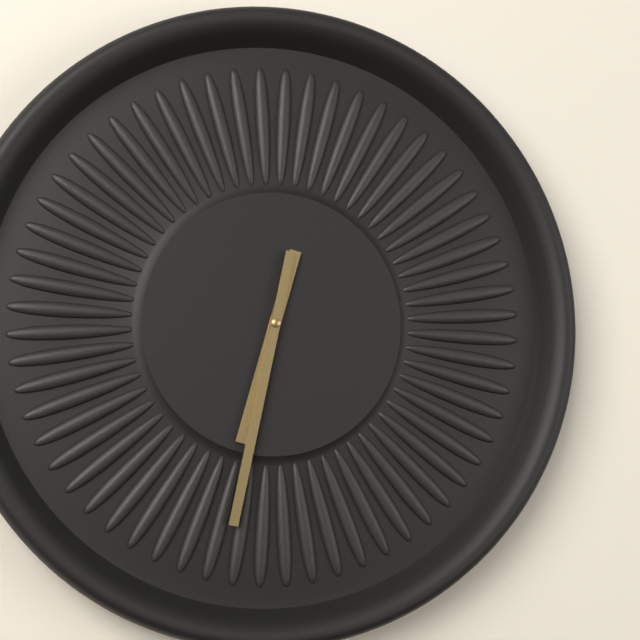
6h32
